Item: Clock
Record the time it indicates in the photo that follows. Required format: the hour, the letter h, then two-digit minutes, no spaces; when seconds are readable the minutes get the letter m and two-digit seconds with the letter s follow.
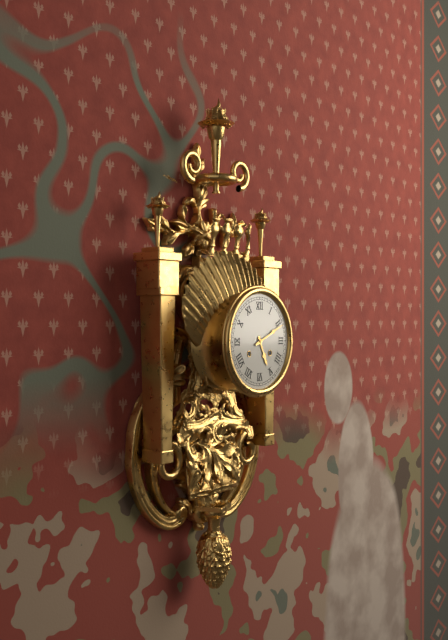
5h11
